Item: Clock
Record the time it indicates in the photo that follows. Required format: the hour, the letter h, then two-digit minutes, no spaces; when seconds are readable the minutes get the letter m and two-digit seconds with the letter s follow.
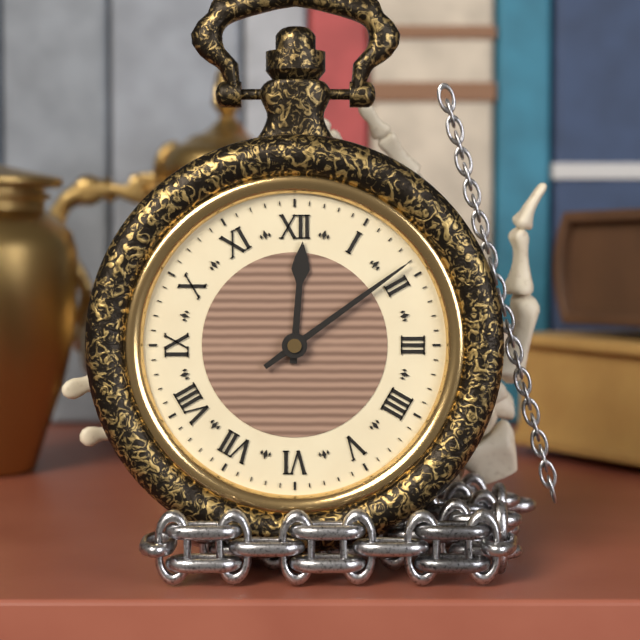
12h09
